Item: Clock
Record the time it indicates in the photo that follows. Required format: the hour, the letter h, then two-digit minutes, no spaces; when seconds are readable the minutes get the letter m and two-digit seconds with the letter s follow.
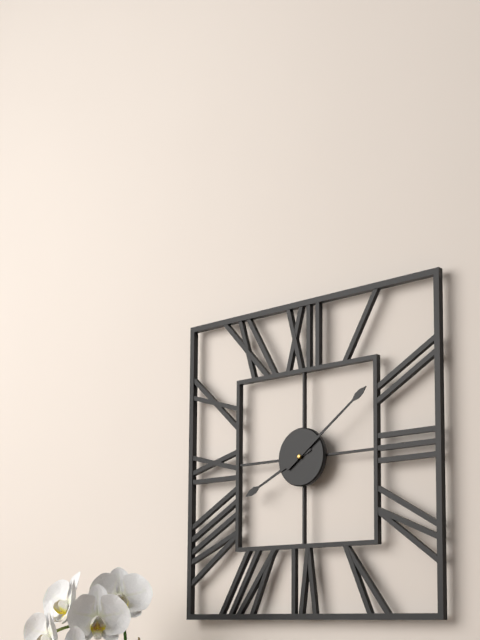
8h09
